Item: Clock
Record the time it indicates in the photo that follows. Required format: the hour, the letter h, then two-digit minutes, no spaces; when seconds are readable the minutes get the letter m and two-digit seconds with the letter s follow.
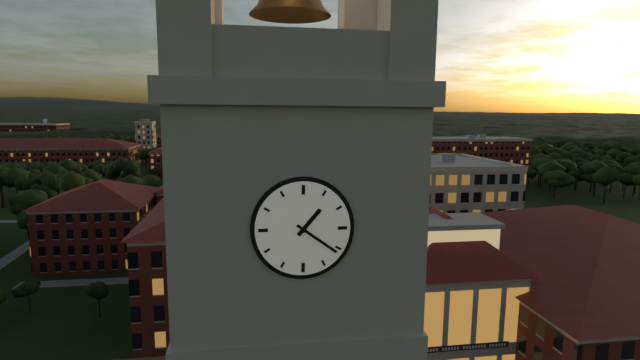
1h21
